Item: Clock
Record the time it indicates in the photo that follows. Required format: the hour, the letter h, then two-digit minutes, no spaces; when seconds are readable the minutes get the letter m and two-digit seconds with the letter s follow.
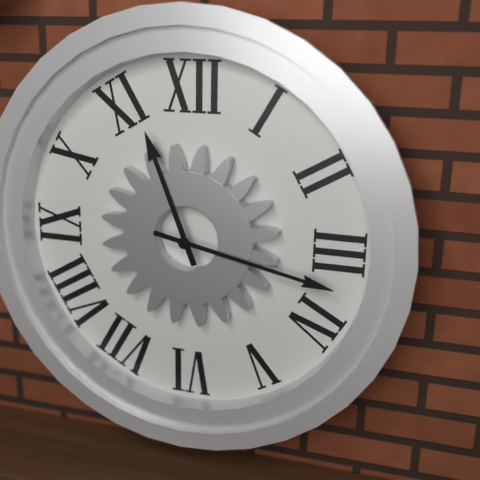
11h17
